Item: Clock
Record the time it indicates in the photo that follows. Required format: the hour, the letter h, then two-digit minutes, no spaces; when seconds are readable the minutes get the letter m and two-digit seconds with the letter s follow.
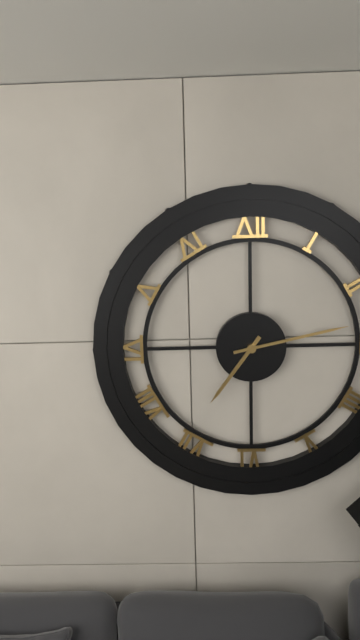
7h13
